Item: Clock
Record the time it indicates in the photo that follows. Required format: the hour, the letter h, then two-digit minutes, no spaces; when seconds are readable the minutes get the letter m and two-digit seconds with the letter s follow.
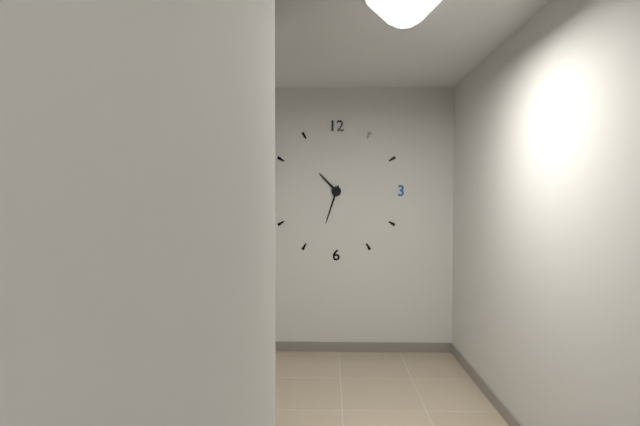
10h33
